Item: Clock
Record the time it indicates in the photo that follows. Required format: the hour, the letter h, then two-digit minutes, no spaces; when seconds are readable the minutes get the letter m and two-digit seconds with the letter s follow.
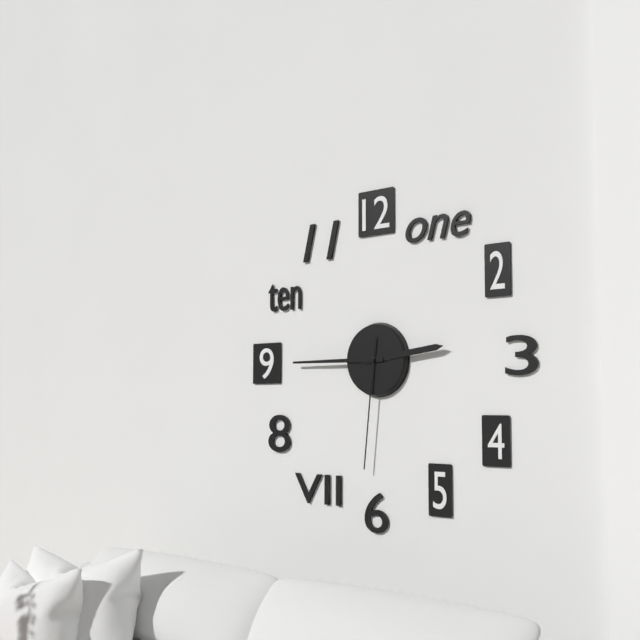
2h45m31s
